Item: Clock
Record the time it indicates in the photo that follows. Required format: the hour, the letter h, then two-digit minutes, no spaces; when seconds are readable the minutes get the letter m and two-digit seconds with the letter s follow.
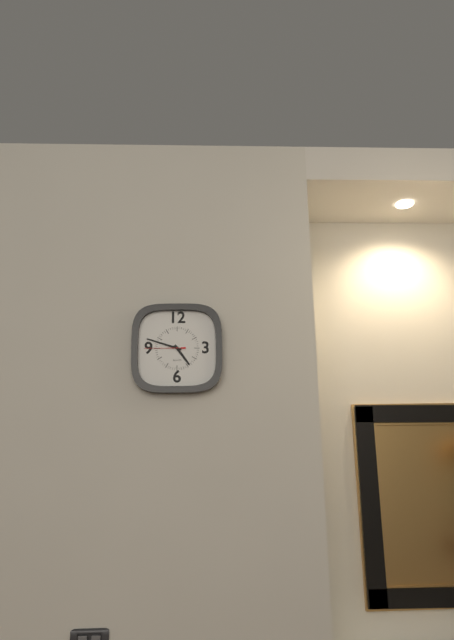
4h48
